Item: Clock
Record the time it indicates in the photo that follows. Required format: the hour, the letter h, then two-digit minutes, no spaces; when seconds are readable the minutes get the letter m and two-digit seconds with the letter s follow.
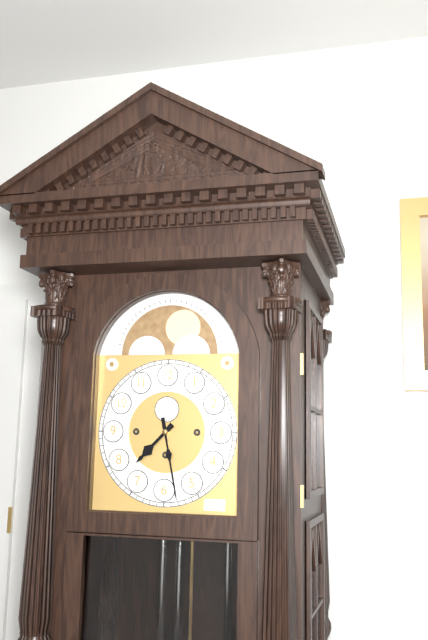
7h28
